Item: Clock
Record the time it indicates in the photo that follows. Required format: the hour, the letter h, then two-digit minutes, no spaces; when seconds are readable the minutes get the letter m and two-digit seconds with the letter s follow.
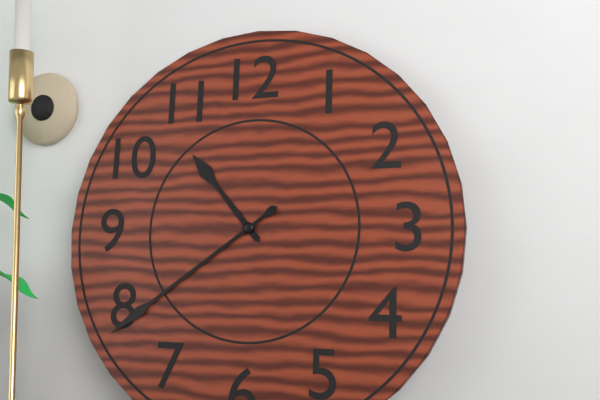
10h39
